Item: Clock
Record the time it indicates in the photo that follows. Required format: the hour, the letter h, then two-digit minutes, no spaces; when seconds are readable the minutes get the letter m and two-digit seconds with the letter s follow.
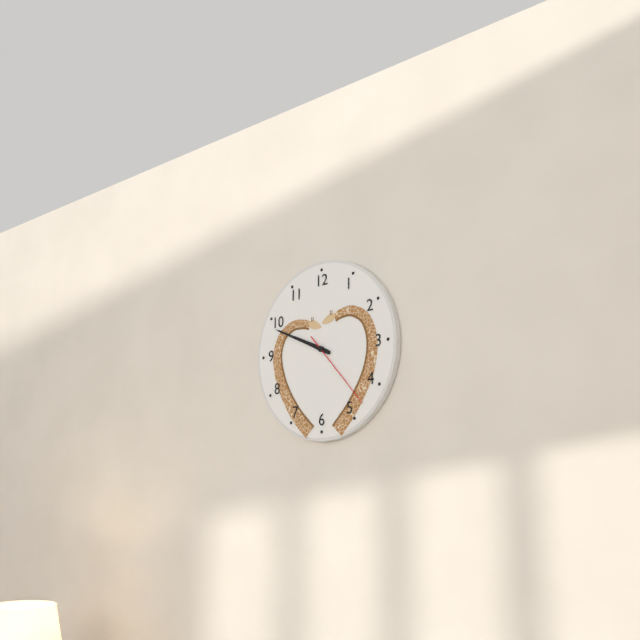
9h49m23s
